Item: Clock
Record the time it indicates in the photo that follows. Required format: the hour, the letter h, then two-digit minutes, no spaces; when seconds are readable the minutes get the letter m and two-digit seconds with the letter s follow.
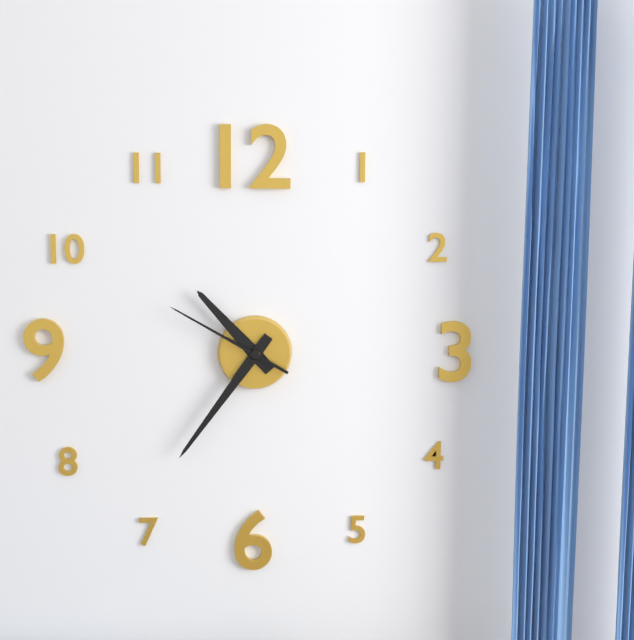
10h36m50s
